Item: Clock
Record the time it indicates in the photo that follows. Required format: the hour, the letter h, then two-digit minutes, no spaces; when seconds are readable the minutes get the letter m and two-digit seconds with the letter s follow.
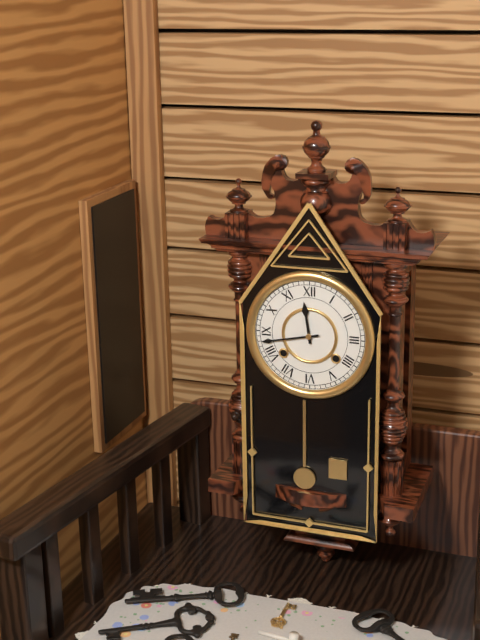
11h43
